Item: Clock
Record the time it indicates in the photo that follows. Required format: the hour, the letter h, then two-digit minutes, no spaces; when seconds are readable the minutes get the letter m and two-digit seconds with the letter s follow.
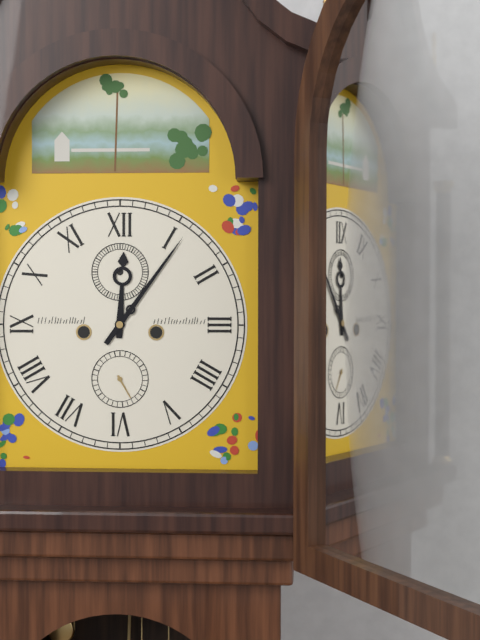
12h06
